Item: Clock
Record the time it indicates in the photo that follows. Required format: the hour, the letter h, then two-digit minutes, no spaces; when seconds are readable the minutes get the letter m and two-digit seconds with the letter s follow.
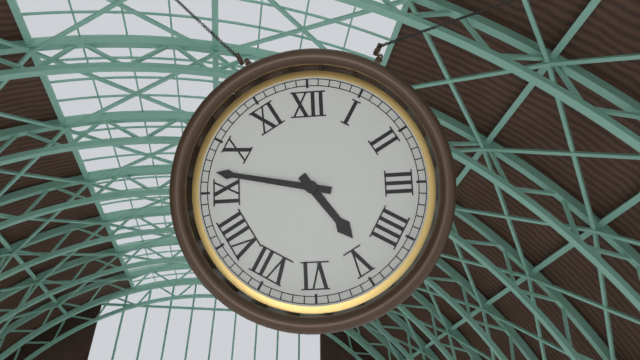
4h47
